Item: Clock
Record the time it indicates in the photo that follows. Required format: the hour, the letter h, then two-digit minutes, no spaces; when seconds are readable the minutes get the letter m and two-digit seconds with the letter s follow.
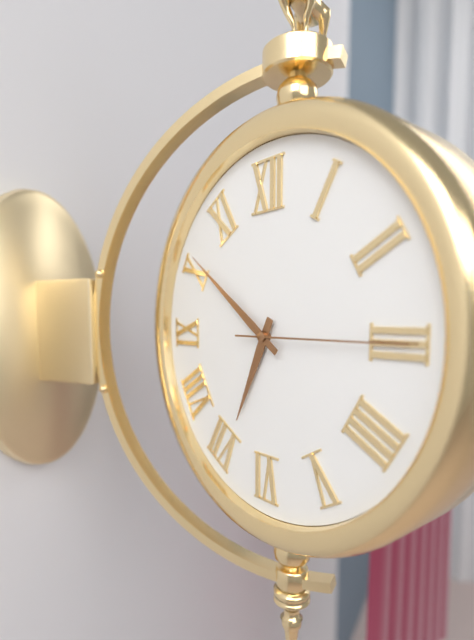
6h51m15s
